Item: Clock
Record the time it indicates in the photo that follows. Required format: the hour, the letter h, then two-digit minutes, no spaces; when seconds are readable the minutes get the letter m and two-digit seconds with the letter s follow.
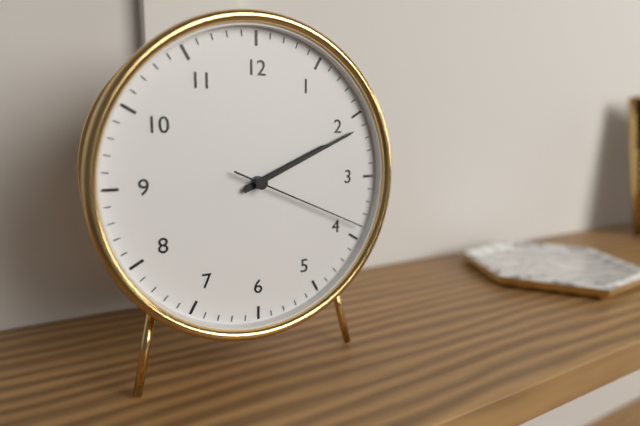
2h11m19s
